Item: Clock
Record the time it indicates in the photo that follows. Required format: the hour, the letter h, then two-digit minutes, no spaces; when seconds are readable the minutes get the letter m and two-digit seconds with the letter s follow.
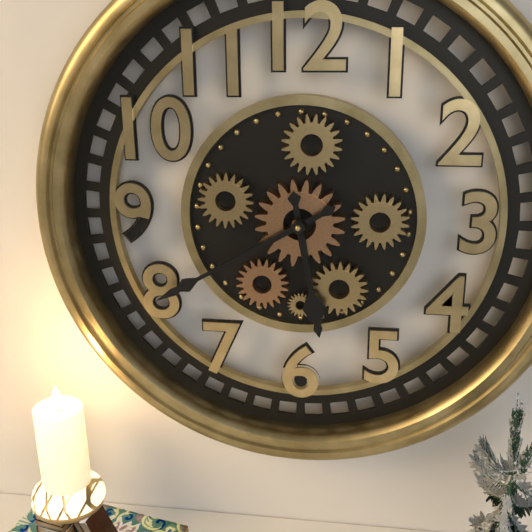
5h40
